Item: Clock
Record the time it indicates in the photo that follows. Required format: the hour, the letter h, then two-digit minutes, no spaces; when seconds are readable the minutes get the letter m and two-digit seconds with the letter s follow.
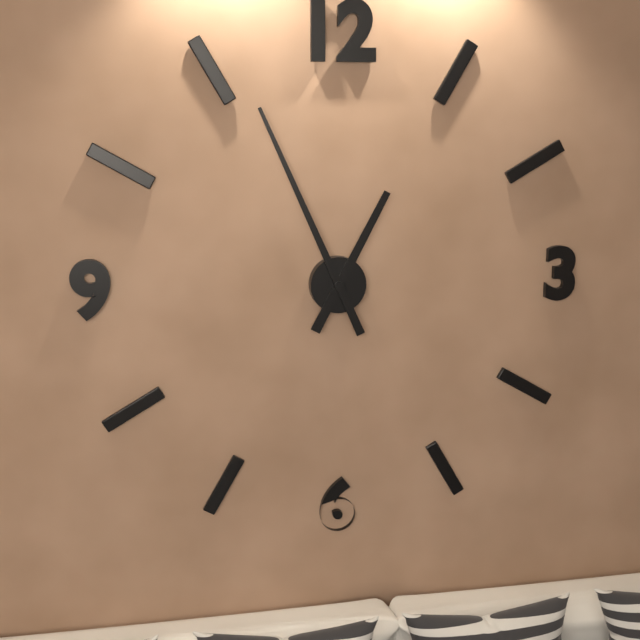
12h56
